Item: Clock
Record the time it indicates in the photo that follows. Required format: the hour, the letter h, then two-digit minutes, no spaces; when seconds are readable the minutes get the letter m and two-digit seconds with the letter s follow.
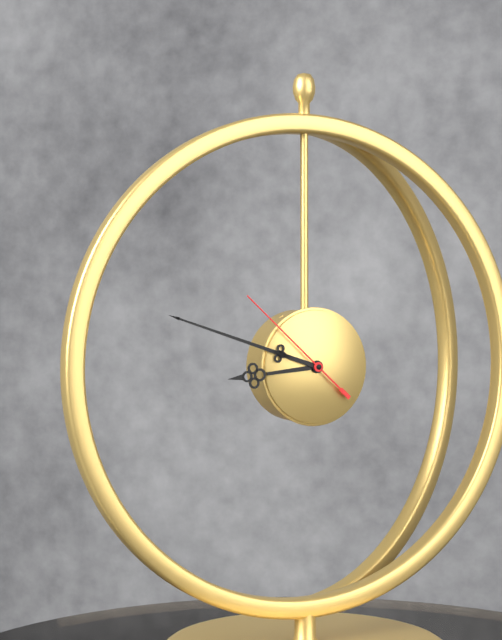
8h48m52s
